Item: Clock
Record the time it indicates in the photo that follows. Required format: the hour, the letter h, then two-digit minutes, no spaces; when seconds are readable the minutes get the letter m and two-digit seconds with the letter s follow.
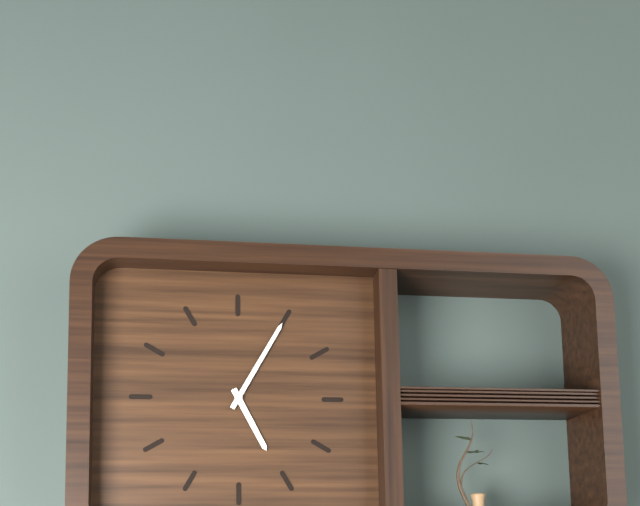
5h05
